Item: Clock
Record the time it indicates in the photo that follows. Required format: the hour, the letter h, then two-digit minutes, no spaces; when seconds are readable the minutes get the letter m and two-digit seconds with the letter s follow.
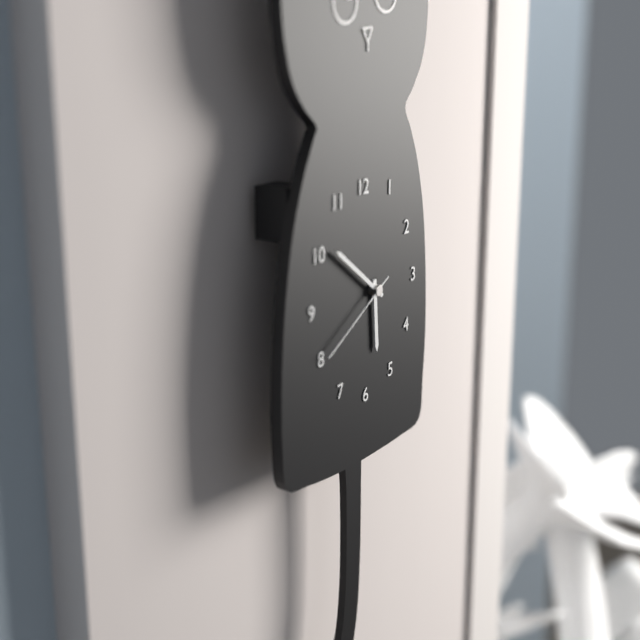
5h51m40s
